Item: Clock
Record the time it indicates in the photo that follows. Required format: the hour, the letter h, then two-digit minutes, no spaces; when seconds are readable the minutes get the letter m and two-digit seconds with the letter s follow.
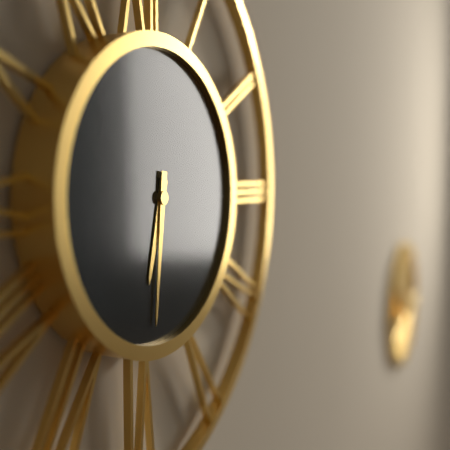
6h31
